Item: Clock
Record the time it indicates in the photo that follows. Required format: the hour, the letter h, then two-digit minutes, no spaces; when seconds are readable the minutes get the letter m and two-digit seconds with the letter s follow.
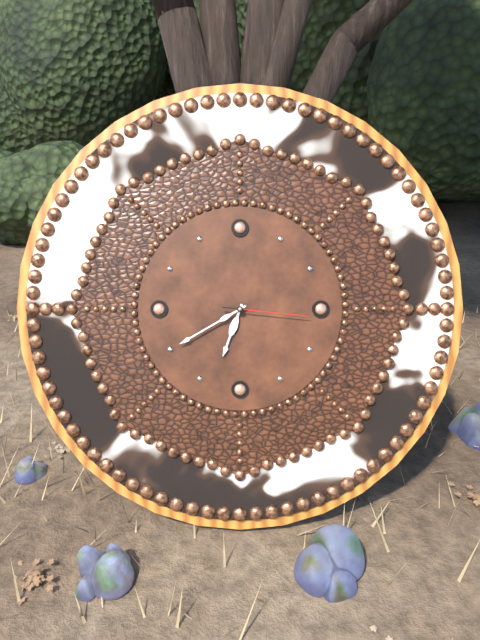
6h40m16s
